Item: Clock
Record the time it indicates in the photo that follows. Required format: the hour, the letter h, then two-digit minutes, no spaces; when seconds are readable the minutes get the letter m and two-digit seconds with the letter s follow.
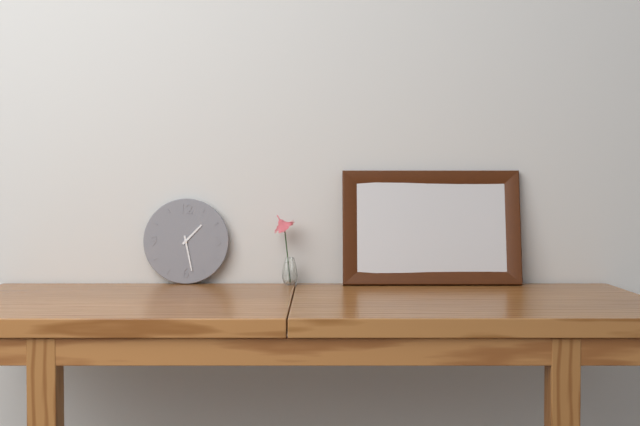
1h28
